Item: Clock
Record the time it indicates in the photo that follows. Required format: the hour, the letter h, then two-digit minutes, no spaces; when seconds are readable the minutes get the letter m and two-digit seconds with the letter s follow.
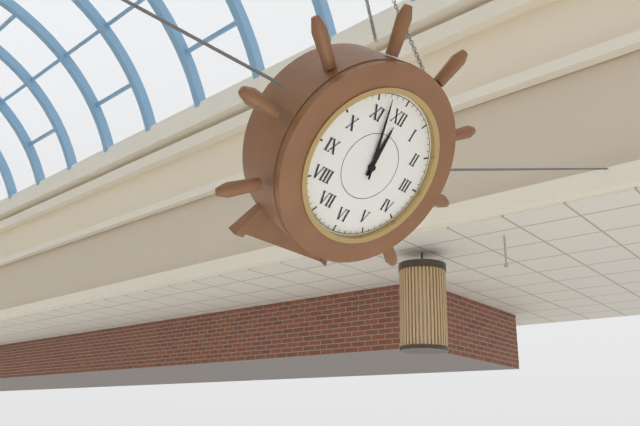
11h57
